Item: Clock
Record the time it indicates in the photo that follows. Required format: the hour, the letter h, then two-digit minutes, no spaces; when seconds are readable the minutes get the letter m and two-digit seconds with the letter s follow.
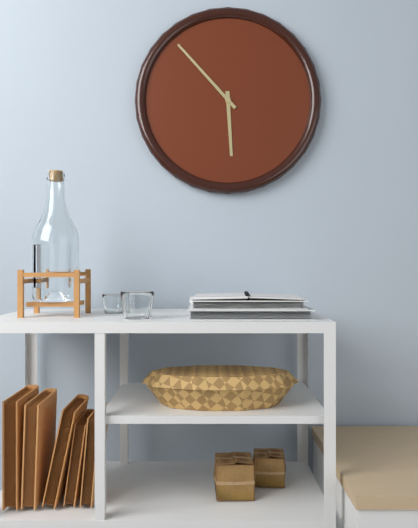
5h53
